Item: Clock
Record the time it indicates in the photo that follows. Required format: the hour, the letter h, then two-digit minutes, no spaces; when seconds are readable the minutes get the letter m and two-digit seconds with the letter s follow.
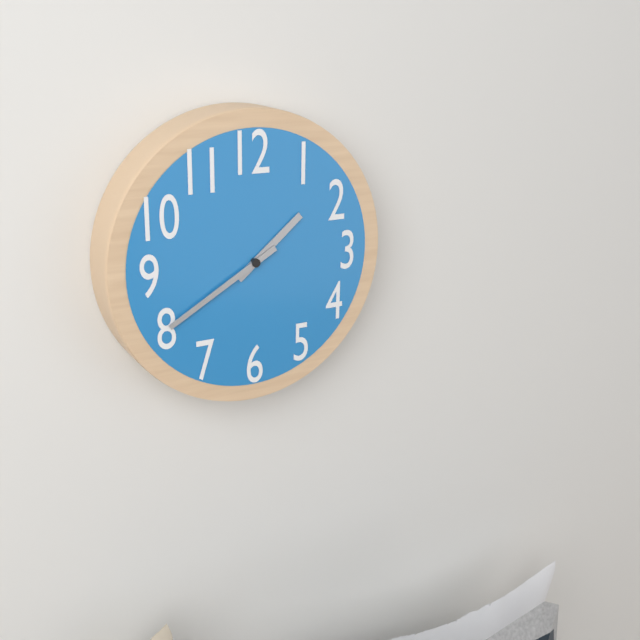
1h40
